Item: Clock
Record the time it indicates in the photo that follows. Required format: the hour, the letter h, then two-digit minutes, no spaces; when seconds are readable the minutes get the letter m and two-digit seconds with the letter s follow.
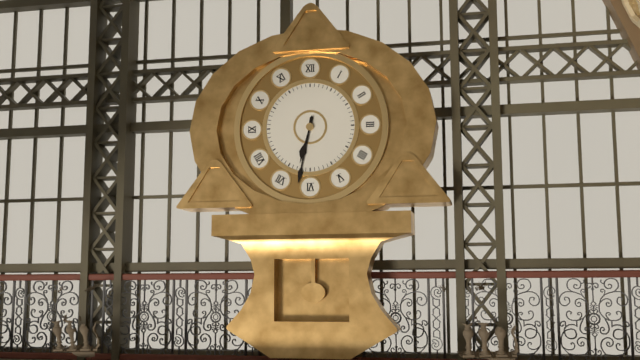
6h32
